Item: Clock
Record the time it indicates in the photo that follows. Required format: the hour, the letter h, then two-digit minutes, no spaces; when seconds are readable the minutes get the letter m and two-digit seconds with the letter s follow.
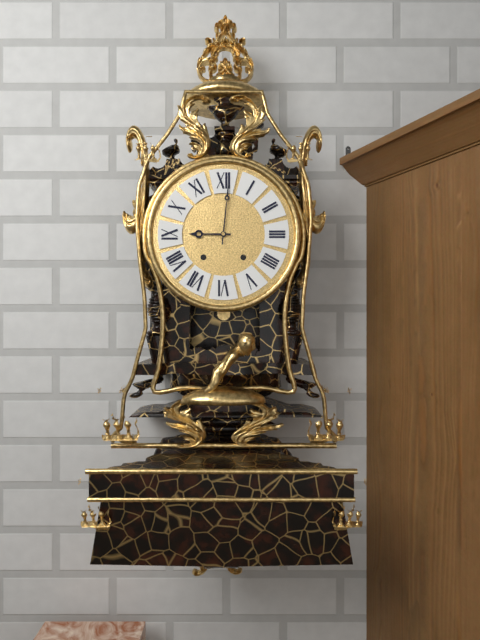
9h01
